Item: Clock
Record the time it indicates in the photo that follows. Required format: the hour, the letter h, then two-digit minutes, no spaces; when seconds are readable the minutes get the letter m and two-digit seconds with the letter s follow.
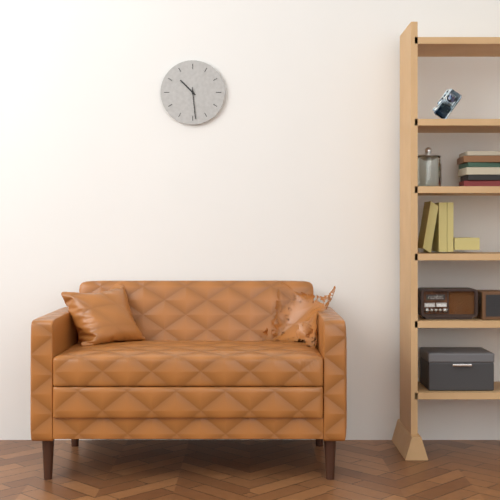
10h29
